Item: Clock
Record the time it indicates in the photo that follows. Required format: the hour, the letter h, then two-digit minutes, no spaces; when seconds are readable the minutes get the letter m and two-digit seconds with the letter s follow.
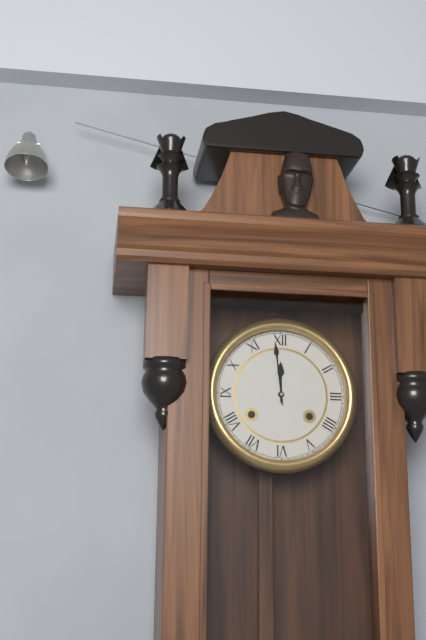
11h59
